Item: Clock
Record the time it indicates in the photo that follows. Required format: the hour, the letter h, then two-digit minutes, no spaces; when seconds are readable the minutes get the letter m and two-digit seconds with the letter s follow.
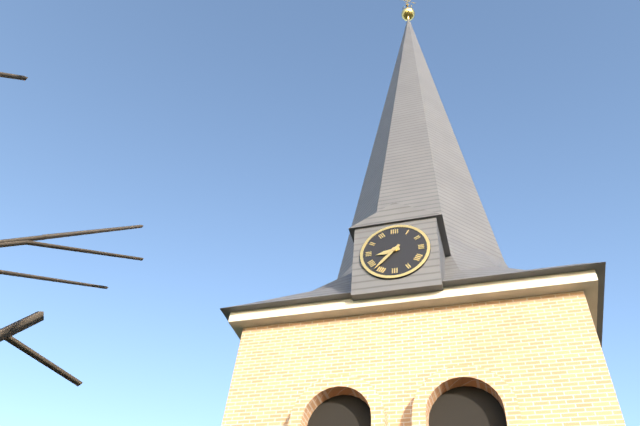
8h37
